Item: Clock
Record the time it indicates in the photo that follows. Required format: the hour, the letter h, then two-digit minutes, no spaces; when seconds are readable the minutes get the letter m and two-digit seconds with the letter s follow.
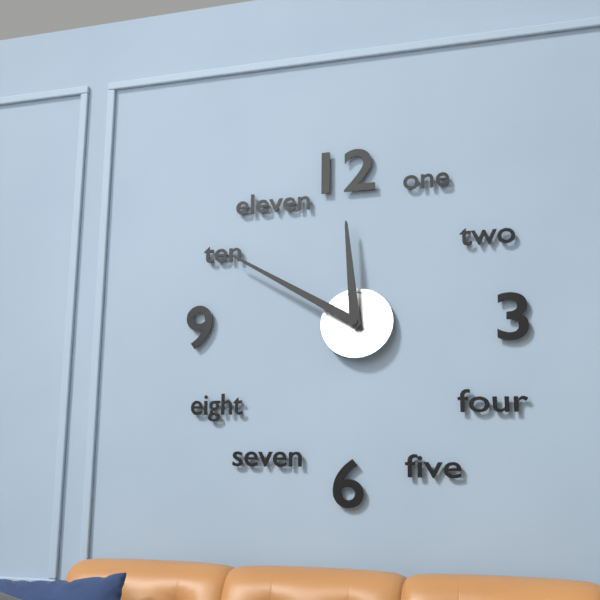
11h50
